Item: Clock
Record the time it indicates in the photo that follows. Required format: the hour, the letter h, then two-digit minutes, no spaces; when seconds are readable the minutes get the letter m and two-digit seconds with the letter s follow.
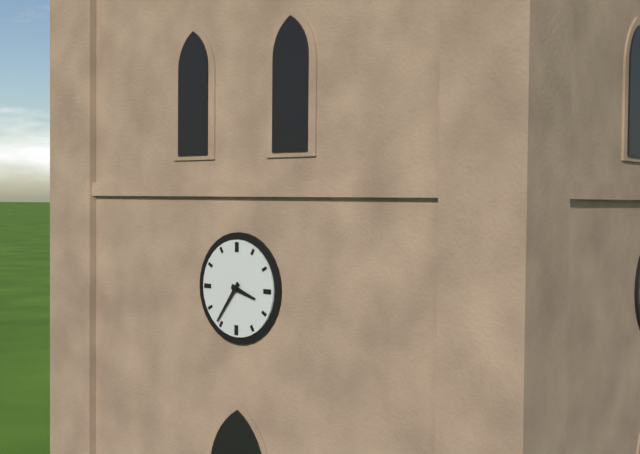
3h36
